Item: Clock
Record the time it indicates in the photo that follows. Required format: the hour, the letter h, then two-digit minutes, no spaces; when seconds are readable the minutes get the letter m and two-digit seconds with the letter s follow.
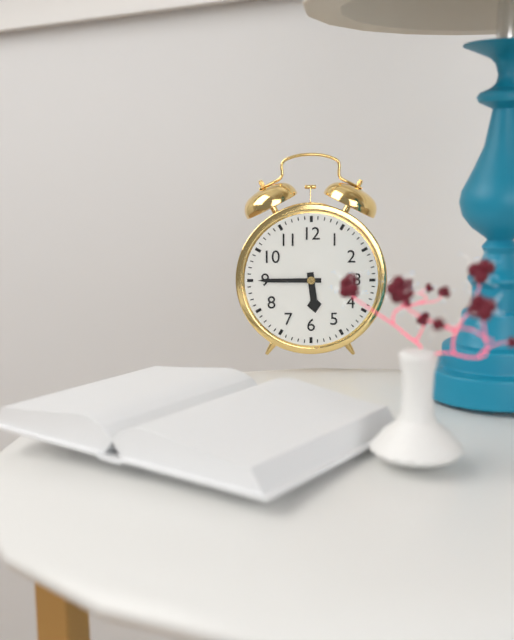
5h45
